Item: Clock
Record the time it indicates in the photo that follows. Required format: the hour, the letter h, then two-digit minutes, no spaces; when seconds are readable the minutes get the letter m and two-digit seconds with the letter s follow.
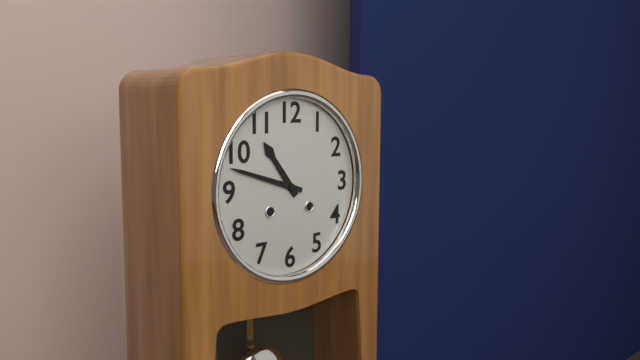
10h48
